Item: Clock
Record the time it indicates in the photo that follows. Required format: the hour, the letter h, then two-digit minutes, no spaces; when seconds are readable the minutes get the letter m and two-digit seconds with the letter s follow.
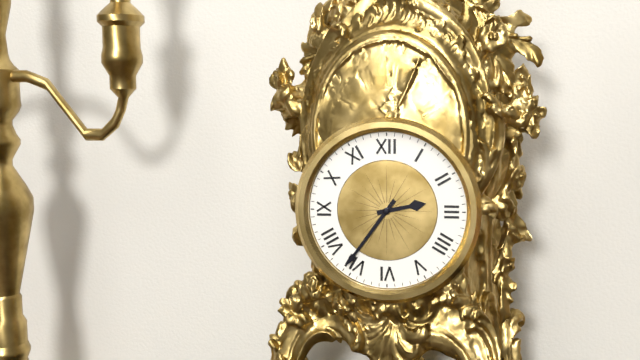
2h36
